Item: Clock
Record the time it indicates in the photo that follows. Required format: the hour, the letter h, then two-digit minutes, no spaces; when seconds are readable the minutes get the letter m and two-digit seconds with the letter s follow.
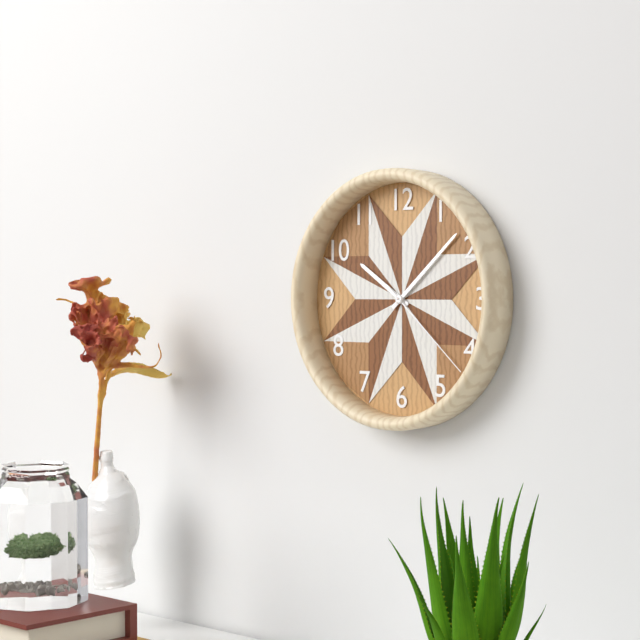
10h08m22s
